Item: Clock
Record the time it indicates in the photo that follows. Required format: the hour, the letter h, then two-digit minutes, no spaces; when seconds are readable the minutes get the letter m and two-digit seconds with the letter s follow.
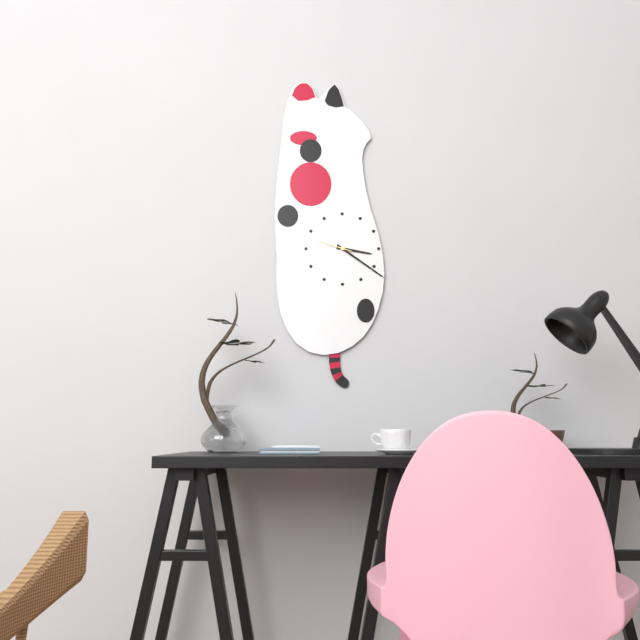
3h21
